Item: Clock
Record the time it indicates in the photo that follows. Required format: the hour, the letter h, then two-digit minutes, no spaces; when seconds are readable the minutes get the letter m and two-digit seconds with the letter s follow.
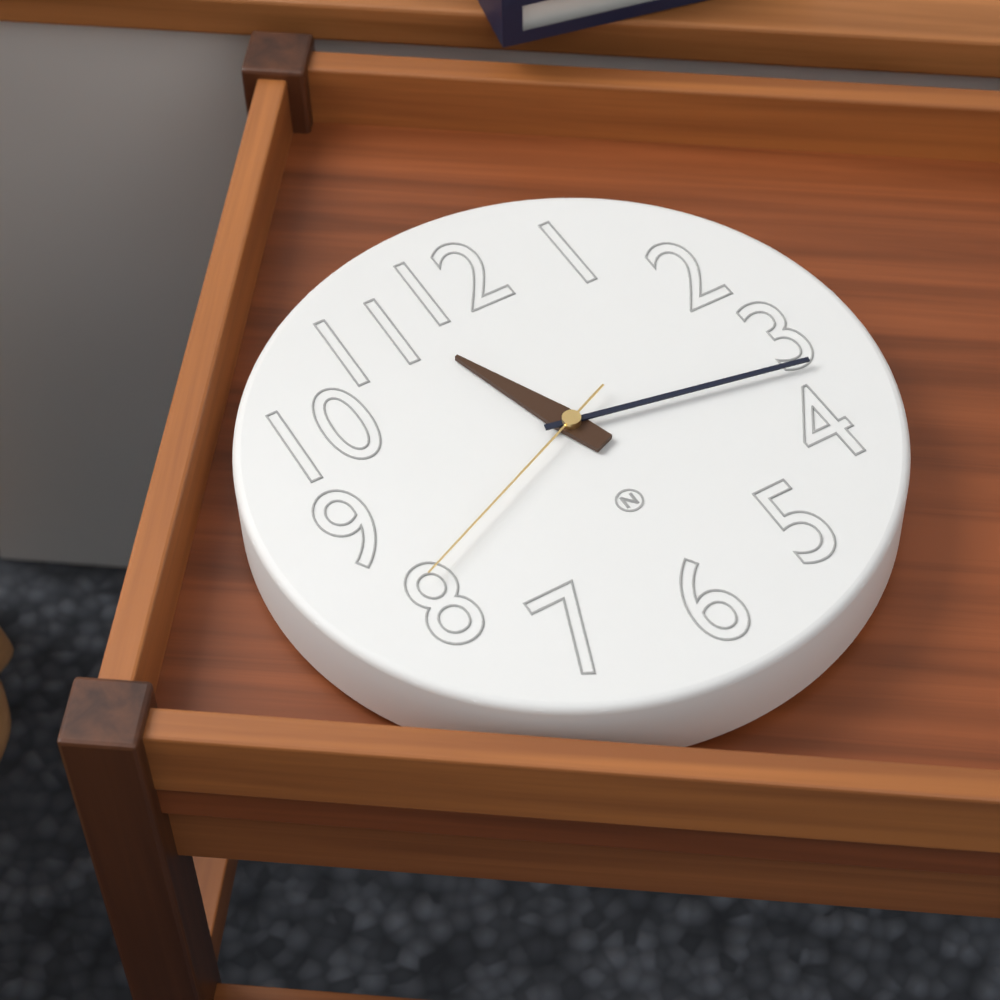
11h17m41s
